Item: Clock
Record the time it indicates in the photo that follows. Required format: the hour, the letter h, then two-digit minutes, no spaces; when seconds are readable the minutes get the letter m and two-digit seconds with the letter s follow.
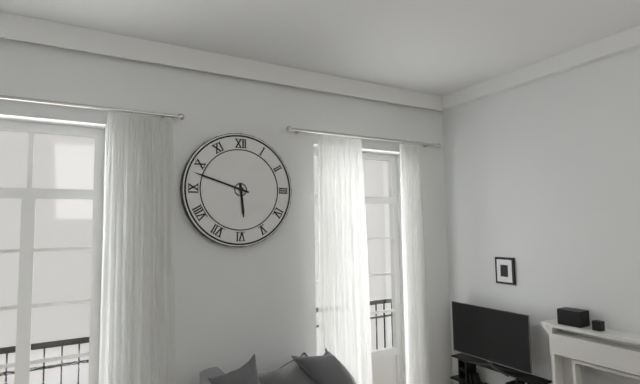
5h48
